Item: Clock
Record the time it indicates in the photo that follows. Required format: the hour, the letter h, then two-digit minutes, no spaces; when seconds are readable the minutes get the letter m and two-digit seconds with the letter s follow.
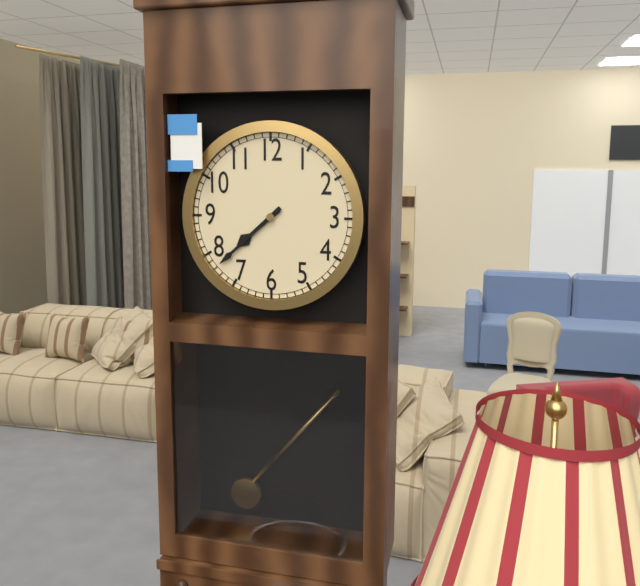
7h38
